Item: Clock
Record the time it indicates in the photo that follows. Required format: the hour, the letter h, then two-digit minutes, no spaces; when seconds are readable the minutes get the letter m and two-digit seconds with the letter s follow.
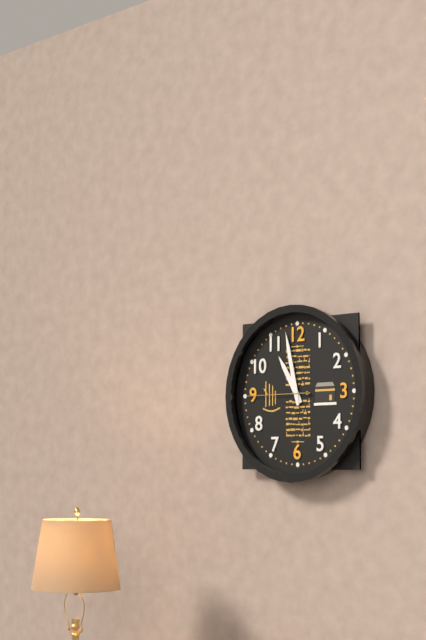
10h58m45s
